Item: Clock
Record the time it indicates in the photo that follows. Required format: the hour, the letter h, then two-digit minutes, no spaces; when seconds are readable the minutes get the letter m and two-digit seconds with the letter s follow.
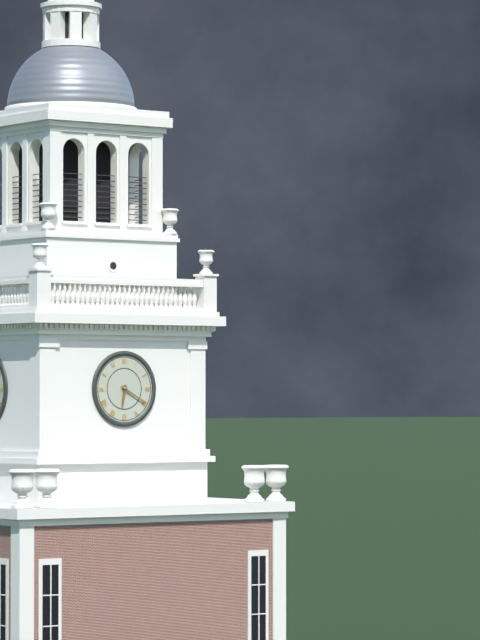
6h20
